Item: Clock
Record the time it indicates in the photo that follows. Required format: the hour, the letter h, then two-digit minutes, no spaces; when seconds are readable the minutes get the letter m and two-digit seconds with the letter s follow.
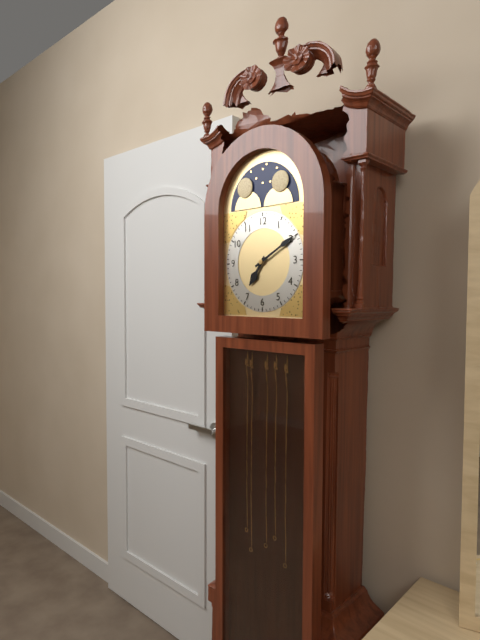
7h10
